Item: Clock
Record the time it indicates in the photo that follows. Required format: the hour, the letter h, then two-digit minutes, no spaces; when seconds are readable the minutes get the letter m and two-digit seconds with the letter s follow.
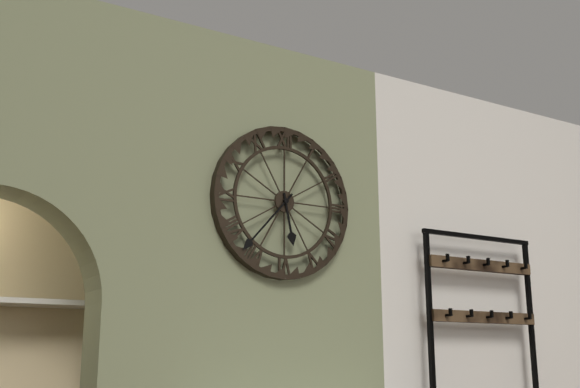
5h37
